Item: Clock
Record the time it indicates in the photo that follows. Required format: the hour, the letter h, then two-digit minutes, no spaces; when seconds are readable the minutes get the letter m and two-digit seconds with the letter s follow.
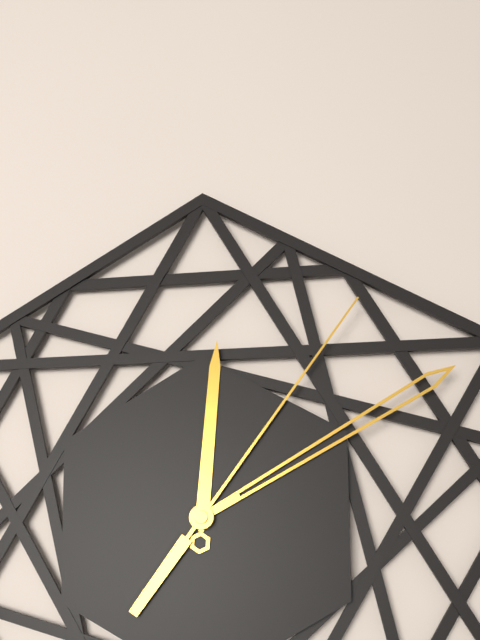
12h10m06s
